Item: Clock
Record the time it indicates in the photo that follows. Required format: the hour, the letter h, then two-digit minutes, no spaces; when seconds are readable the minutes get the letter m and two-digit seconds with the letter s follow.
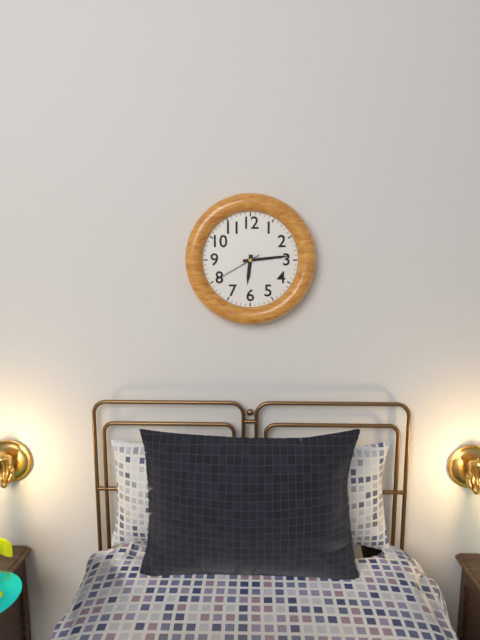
6h14
